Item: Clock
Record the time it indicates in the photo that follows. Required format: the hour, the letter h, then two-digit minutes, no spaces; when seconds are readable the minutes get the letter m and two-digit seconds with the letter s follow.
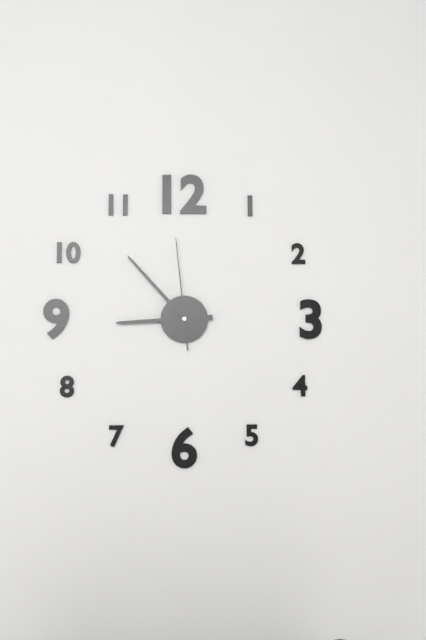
8h53m59s
